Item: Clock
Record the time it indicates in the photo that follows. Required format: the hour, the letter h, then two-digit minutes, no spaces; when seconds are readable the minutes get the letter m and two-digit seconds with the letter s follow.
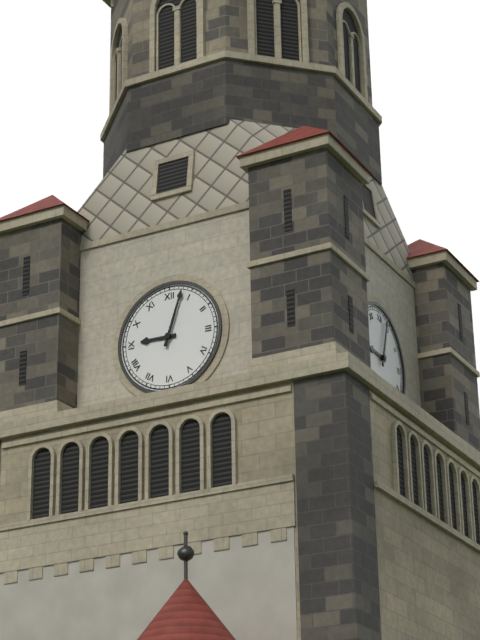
9h03
